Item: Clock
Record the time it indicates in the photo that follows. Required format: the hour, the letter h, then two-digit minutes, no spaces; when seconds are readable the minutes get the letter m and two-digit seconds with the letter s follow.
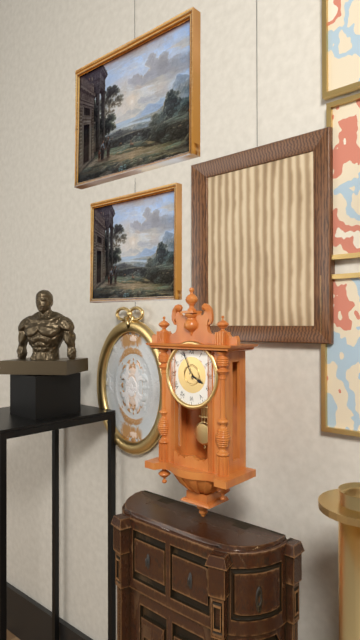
3h56
